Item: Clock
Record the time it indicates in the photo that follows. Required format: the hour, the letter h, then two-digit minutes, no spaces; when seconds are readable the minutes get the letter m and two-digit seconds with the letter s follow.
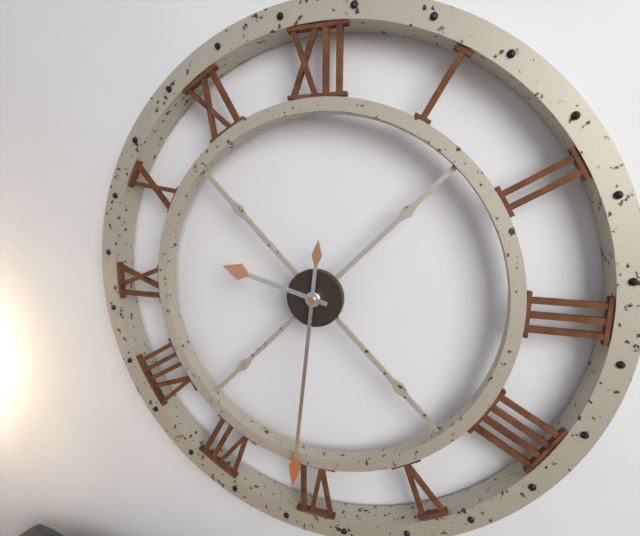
9h31
